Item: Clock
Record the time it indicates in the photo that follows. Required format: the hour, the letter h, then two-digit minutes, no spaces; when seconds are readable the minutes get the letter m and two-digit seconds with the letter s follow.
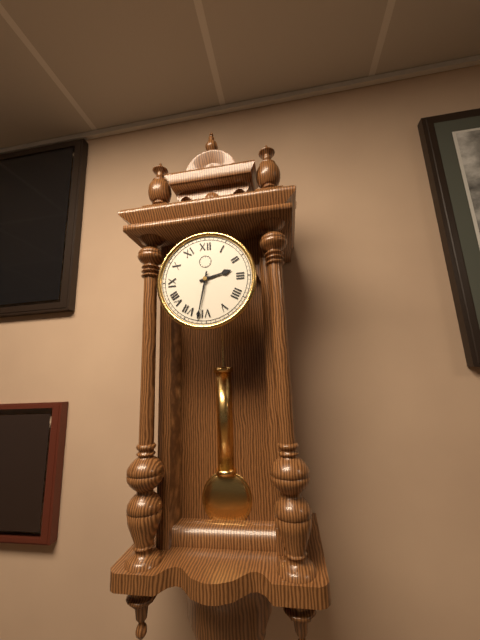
2h32
